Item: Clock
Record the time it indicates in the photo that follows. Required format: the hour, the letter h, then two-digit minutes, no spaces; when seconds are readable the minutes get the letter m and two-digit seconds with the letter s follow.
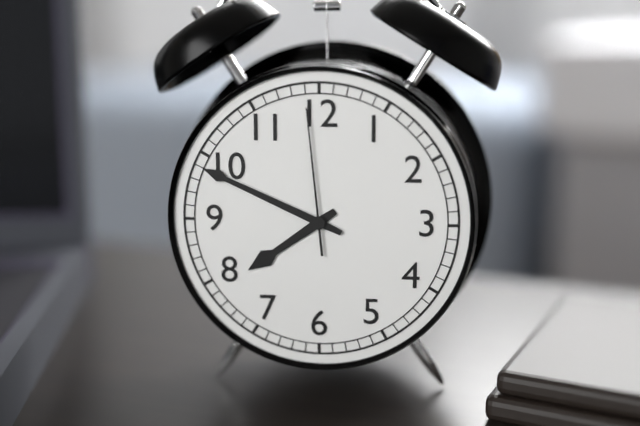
7h49m59s
